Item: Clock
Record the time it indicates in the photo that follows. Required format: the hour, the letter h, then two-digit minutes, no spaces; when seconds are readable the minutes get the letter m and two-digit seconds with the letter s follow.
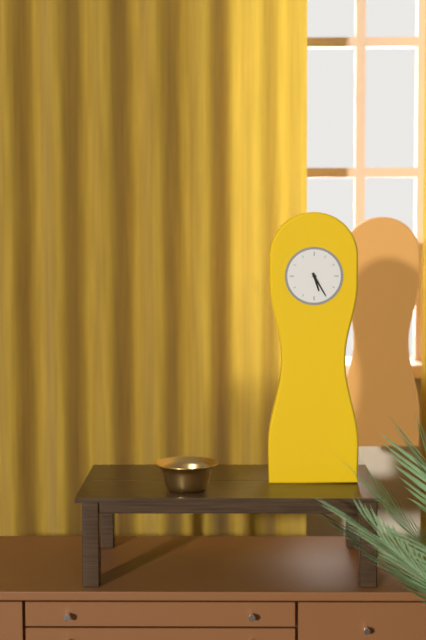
5h25
